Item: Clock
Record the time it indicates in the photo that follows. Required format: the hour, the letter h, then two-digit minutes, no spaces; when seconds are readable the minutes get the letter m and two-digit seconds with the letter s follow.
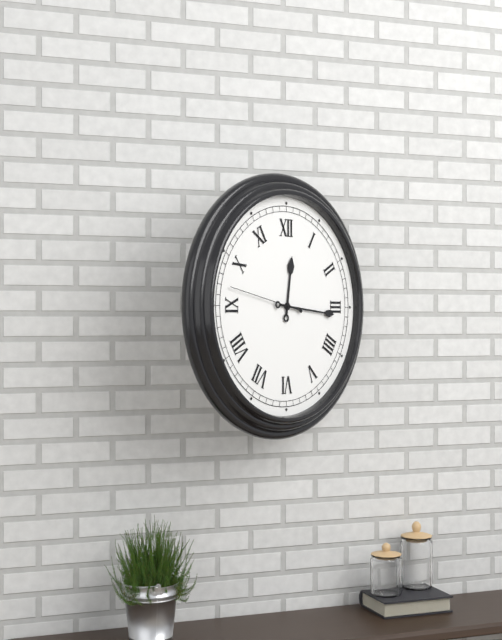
12h16m47s
